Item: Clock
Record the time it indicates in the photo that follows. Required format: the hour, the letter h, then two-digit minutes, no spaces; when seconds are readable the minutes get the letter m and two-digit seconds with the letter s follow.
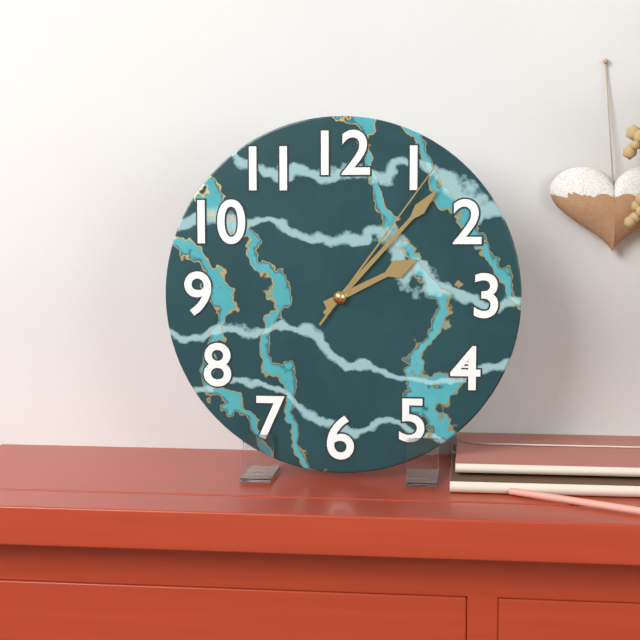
2h07m06s
